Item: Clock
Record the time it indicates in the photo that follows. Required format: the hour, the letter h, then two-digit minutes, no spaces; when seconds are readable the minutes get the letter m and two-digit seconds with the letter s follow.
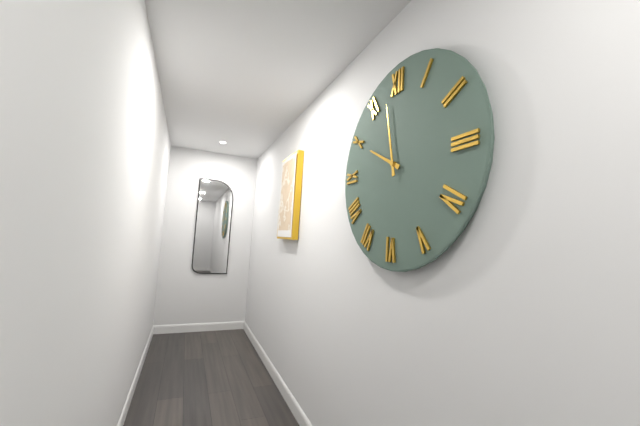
9h58
